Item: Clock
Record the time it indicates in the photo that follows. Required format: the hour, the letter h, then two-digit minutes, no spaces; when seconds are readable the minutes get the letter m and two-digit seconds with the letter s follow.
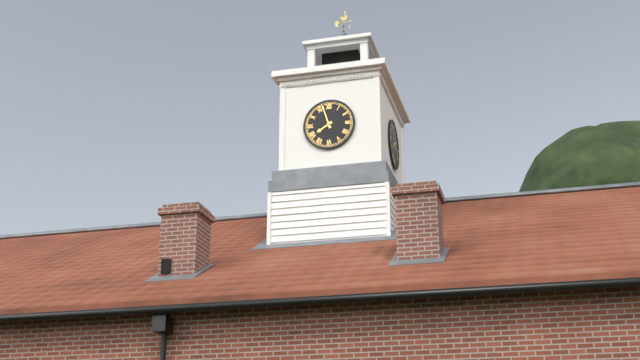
7h57
